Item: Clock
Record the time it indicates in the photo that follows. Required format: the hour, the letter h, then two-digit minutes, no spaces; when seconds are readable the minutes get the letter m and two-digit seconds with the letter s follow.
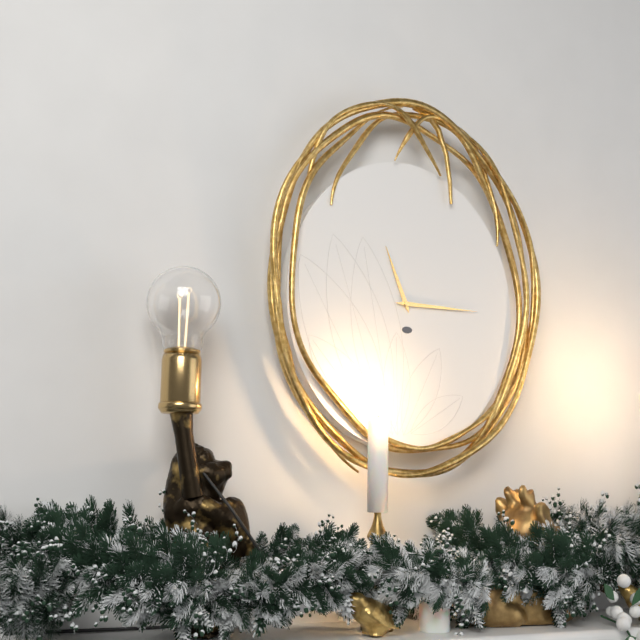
11h15
